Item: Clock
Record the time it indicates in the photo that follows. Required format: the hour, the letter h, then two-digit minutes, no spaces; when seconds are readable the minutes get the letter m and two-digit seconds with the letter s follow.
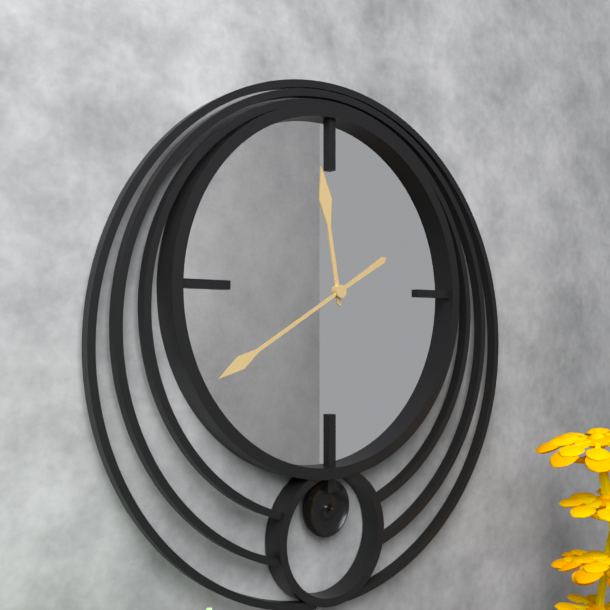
11h40
